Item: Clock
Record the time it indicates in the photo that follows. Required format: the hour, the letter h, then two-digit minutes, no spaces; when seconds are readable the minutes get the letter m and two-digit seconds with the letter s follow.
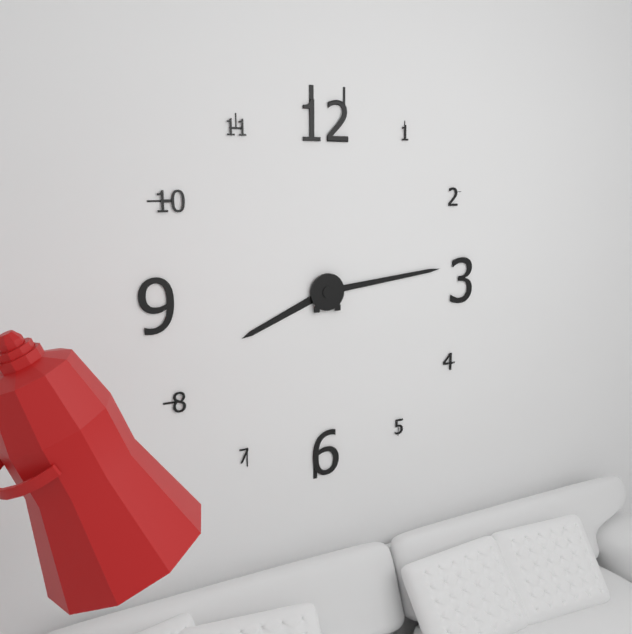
8h14
